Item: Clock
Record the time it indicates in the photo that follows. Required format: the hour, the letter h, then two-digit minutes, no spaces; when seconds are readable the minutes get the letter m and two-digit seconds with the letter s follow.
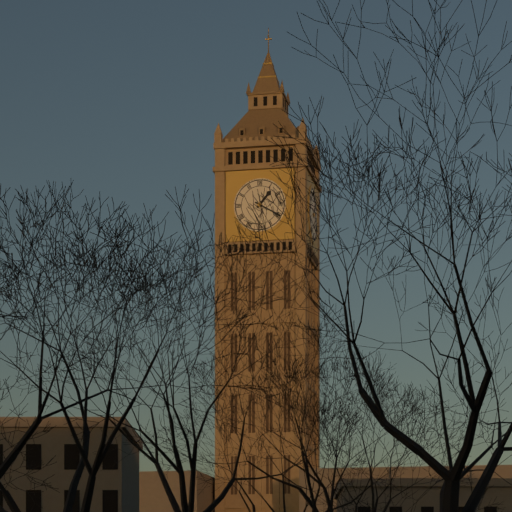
1h20
